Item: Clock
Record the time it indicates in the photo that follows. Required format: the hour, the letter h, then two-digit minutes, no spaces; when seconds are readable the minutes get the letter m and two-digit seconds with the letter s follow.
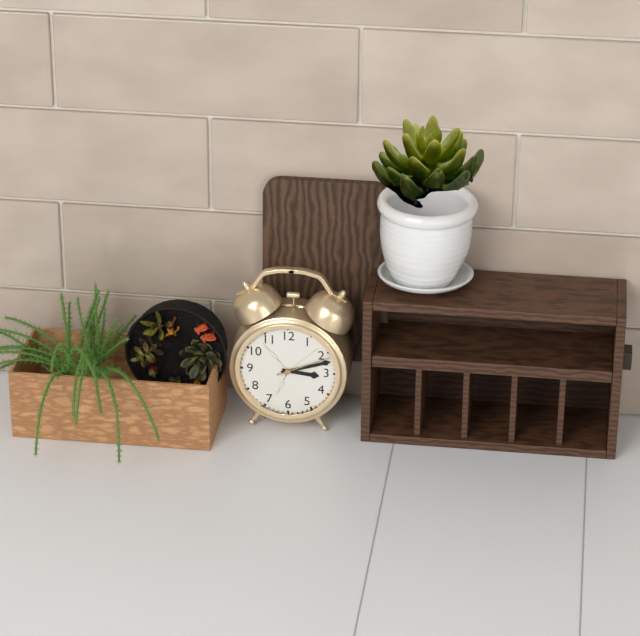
3h12m11s
